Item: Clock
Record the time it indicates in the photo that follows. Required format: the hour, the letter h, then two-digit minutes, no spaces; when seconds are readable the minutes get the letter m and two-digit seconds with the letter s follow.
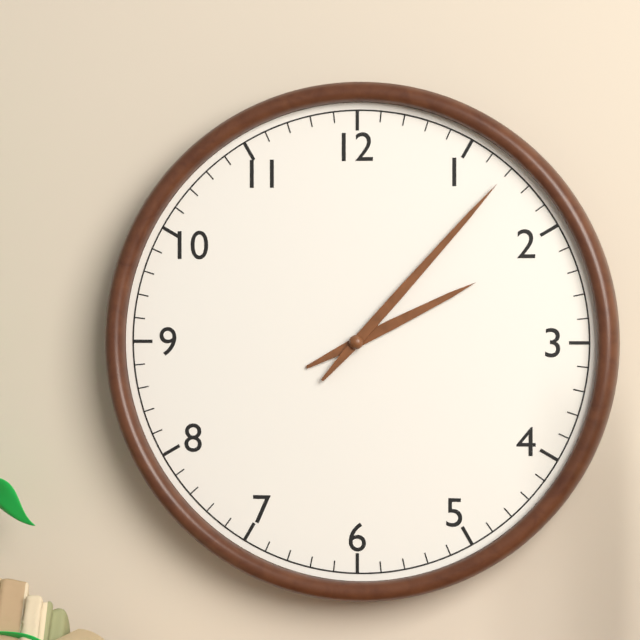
2h07
